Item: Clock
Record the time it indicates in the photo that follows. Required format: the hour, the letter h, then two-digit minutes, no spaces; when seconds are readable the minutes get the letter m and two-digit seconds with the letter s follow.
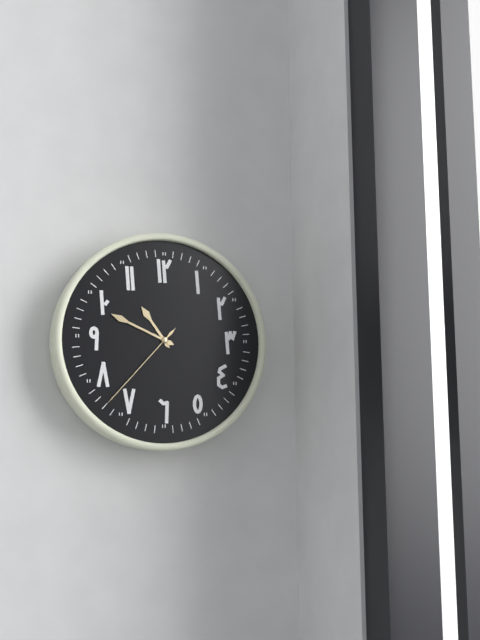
10h49m37s
